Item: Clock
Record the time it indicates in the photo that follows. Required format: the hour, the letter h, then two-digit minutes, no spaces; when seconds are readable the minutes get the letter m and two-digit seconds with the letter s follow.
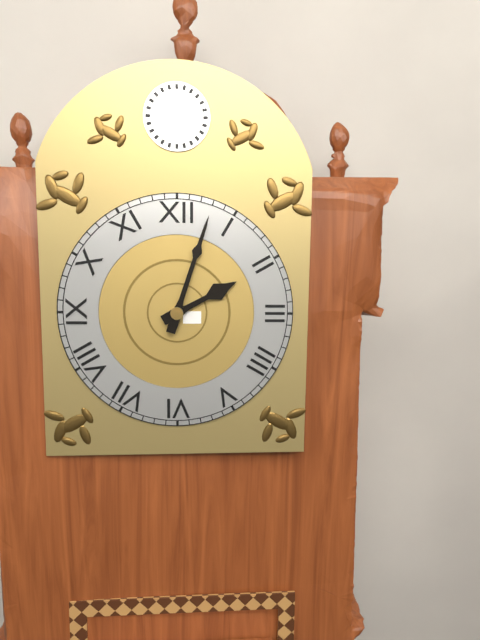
2h03
